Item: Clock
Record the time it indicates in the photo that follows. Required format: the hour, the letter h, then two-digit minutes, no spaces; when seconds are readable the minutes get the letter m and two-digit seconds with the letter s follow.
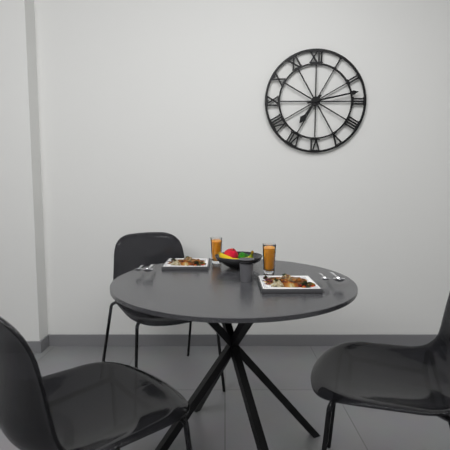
7h13
